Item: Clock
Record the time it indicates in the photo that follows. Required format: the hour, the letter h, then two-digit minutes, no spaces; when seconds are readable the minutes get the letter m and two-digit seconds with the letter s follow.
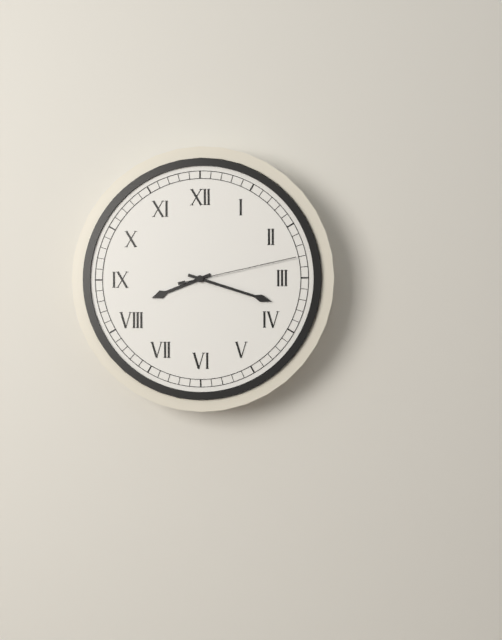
8h18m13s
